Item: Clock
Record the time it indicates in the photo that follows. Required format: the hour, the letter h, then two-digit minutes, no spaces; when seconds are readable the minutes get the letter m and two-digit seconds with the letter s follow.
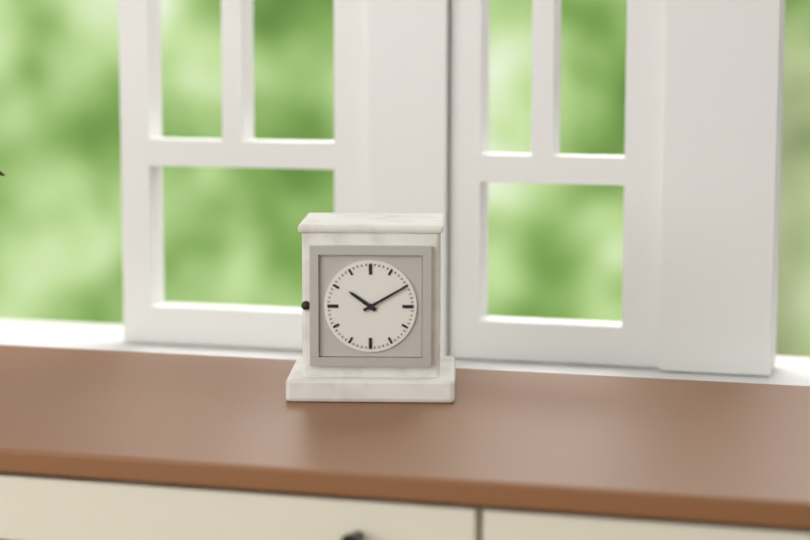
10h10
